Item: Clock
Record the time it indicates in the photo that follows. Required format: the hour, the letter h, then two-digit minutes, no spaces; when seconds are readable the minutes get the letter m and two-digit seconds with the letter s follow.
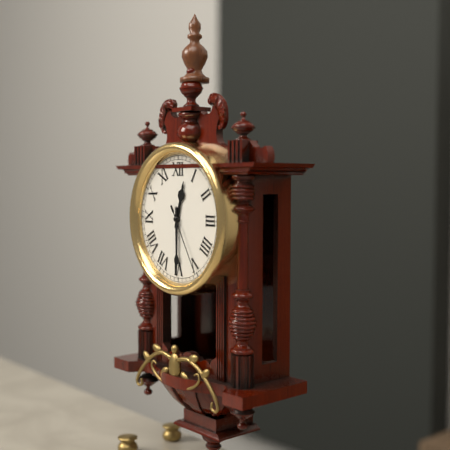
12h30m25s
